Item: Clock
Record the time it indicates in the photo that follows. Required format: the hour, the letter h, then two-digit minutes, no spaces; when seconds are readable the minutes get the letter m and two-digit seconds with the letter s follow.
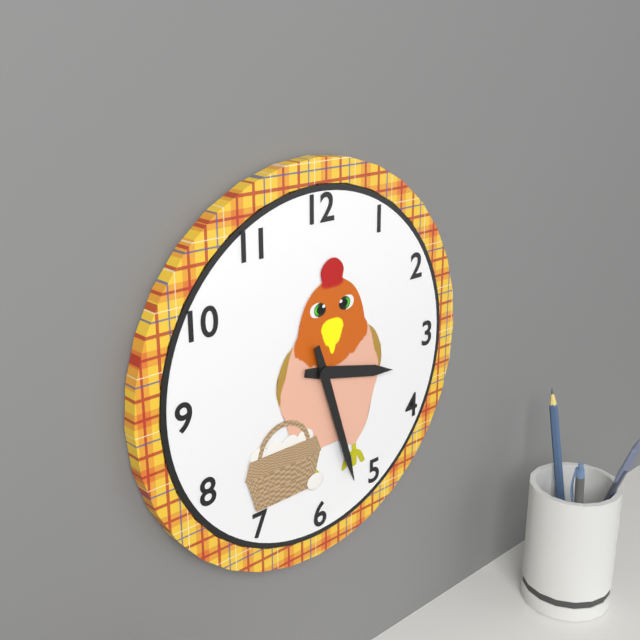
3h27
